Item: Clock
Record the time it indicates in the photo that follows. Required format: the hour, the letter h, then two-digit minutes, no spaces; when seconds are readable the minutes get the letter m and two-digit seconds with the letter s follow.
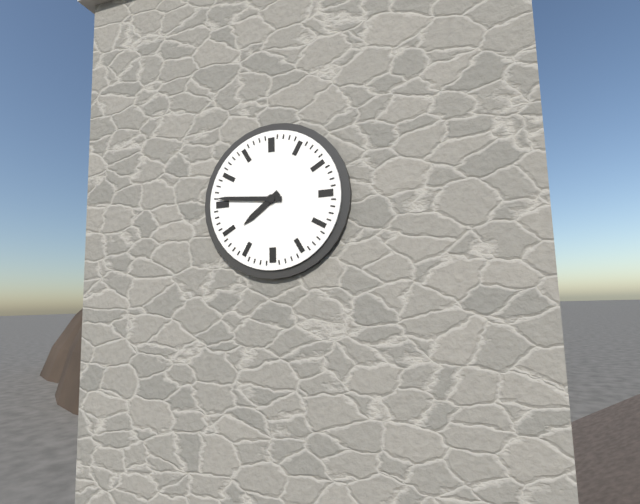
7h46
